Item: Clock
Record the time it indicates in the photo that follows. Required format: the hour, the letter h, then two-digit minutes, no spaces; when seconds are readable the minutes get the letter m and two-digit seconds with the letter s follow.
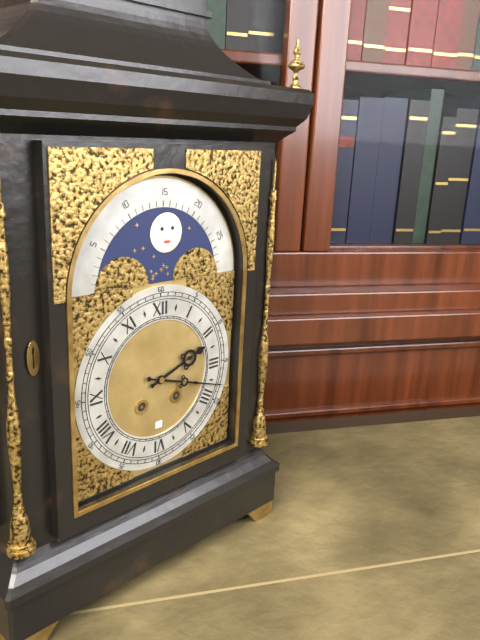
2h18
